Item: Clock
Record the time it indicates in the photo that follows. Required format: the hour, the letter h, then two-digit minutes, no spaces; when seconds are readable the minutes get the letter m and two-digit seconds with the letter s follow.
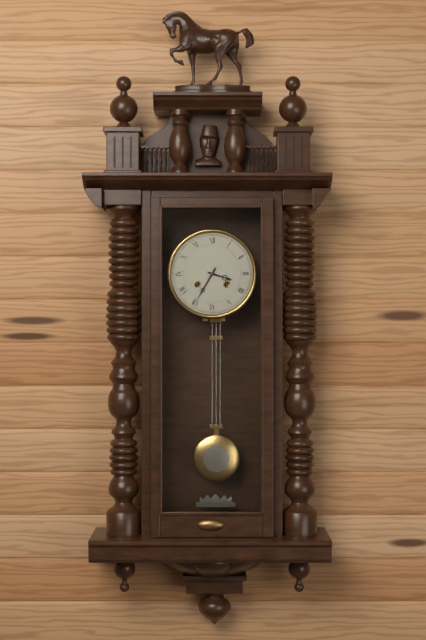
3h35
